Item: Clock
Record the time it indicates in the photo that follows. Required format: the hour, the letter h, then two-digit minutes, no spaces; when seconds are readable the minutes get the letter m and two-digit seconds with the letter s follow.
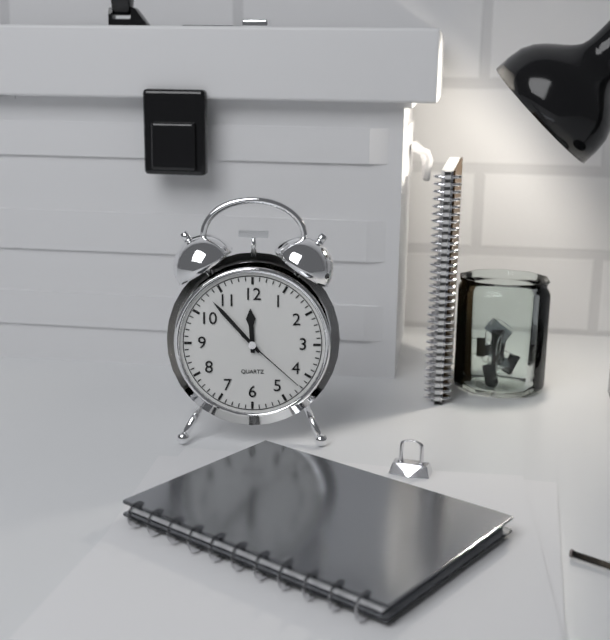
11h53m22s
